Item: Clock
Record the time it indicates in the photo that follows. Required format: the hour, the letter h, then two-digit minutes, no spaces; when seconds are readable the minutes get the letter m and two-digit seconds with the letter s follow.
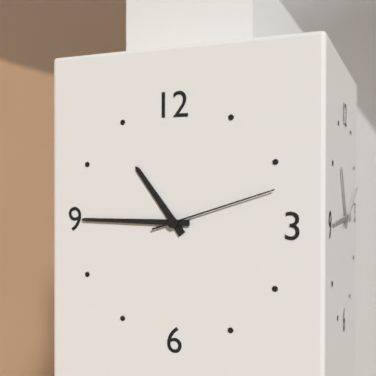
10h45m12s
